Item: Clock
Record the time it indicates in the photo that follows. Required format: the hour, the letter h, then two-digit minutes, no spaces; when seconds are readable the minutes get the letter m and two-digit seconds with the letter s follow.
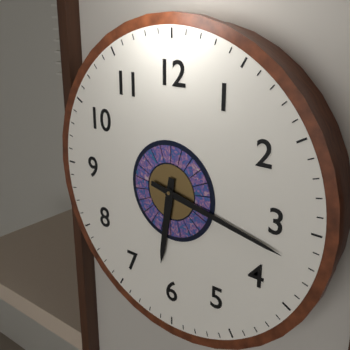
6h17
